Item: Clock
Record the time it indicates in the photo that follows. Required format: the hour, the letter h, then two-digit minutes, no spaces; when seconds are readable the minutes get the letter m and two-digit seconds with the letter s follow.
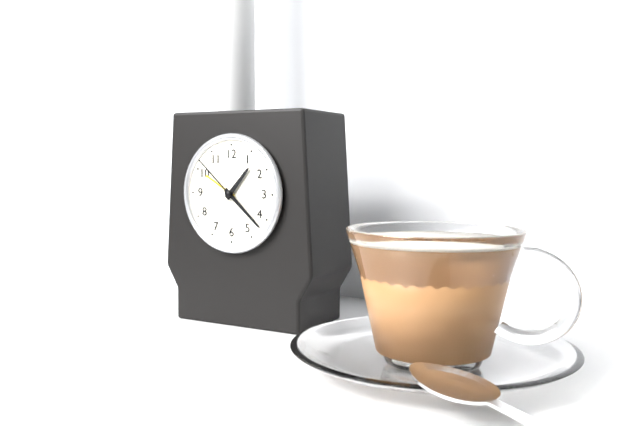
1h22m52s
